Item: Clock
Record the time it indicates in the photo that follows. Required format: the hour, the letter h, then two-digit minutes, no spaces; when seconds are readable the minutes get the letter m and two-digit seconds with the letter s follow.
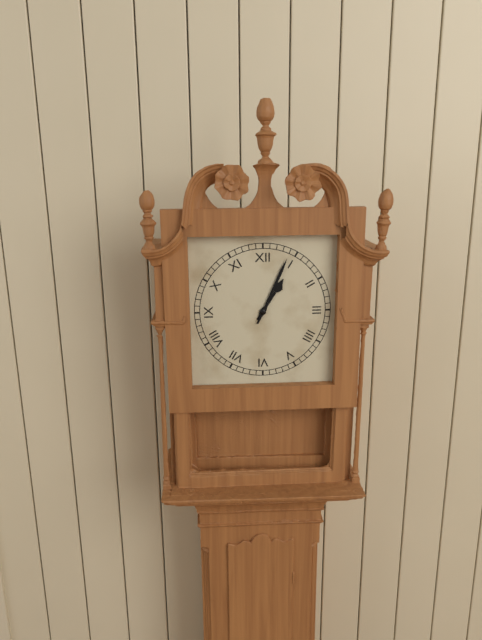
1h04
